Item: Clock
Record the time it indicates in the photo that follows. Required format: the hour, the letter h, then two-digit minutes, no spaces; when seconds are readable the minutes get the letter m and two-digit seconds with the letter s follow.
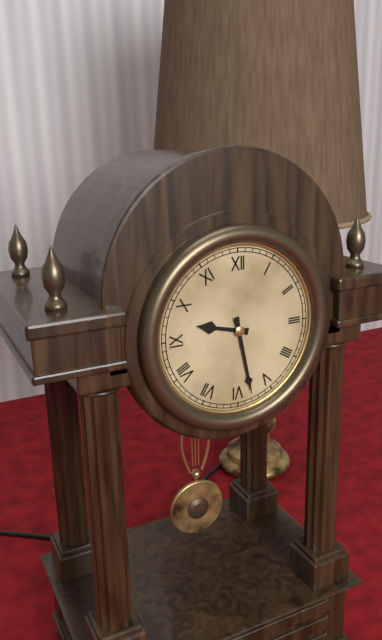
9h28
